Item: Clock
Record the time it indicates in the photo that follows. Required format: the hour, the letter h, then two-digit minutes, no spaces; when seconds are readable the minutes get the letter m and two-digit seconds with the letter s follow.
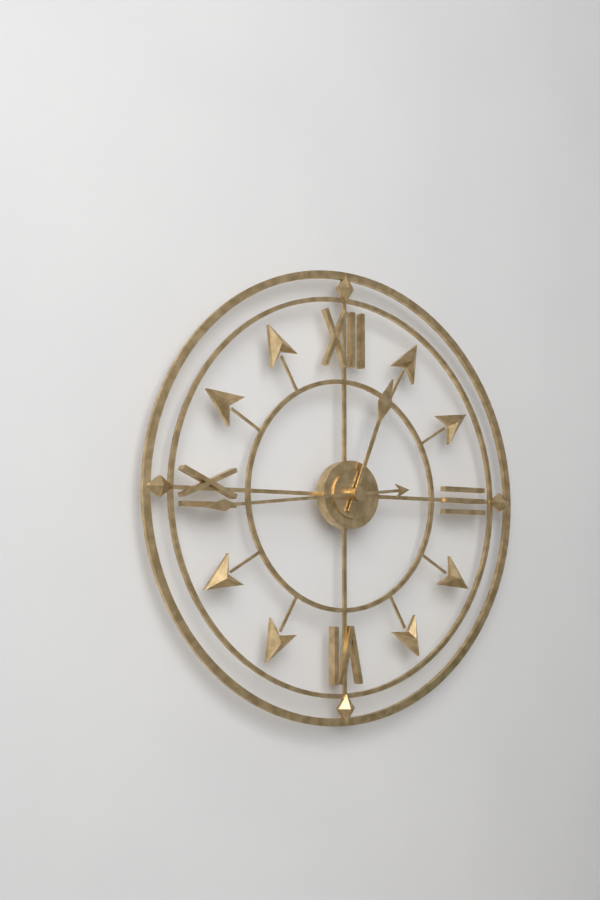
12h44
